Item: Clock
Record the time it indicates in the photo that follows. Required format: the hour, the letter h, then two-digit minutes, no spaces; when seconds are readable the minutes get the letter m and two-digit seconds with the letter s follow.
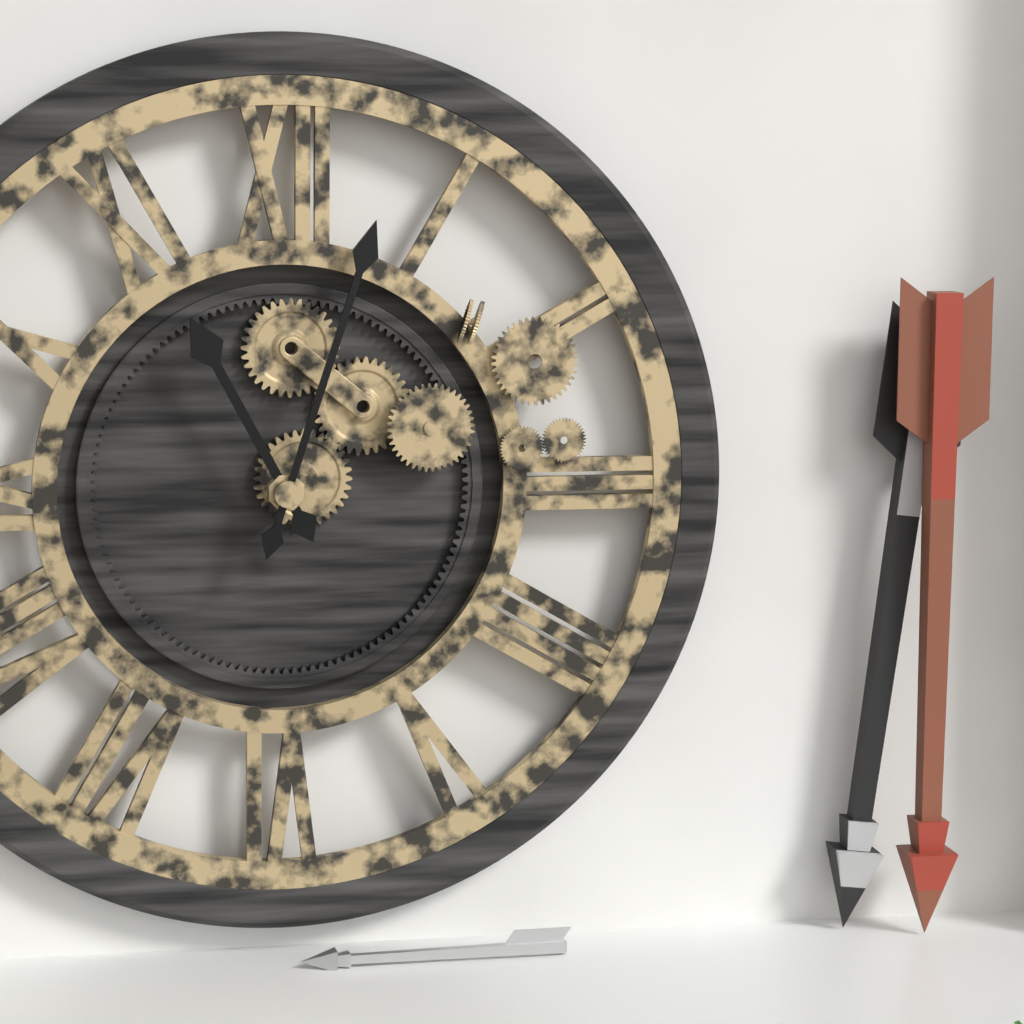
11h03
